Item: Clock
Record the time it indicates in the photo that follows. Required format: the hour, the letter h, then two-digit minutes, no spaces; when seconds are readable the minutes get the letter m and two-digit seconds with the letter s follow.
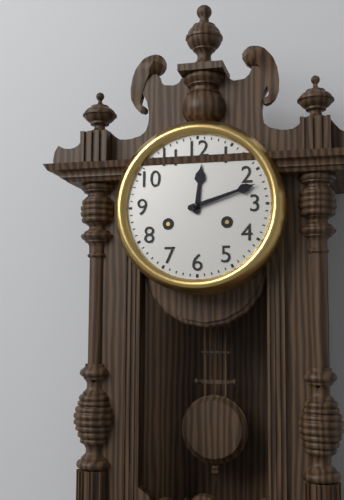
12h12
